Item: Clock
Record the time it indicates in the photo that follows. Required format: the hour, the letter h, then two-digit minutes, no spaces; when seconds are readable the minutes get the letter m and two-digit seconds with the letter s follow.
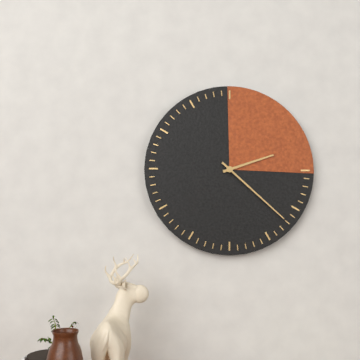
2h22
